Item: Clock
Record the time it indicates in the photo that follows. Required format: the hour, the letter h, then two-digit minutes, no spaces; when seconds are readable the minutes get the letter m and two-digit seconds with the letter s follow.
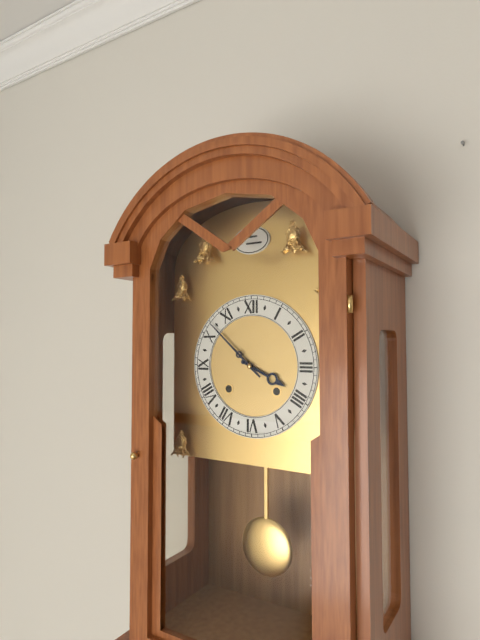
3h52
